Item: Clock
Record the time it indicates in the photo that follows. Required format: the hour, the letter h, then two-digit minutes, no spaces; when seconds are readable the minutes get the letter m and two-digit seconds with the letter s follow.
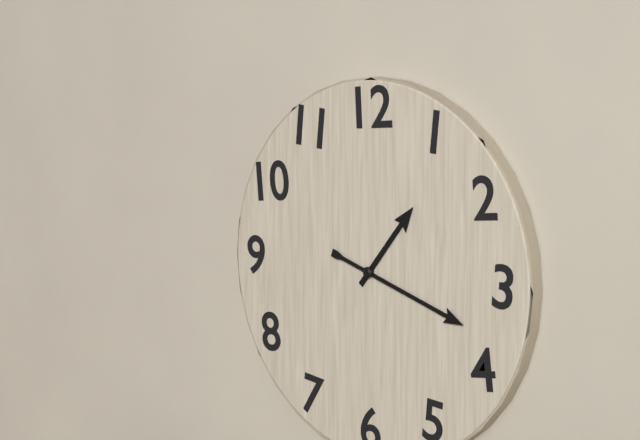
1h18
